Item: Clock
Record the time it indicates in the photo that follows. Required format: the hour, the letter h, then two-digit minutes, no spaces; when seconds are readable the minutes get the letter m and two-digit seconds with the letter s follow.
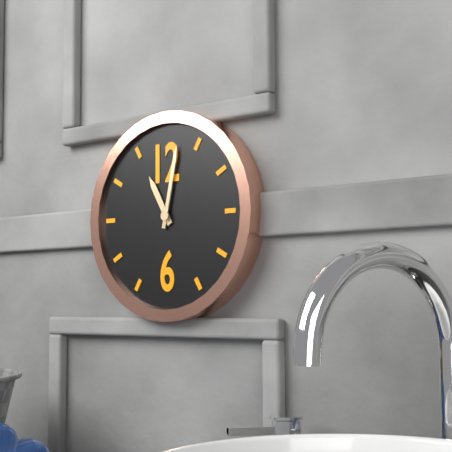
11h02
